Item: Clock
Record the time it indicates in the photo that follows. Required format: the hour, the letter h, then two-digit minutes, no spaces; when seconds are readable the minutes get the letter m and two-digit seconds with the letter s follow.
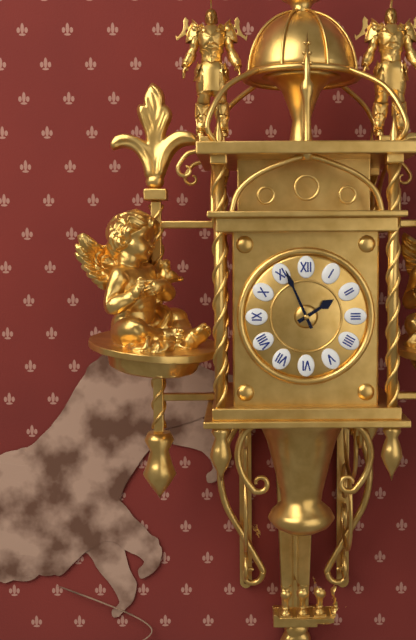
1h56
